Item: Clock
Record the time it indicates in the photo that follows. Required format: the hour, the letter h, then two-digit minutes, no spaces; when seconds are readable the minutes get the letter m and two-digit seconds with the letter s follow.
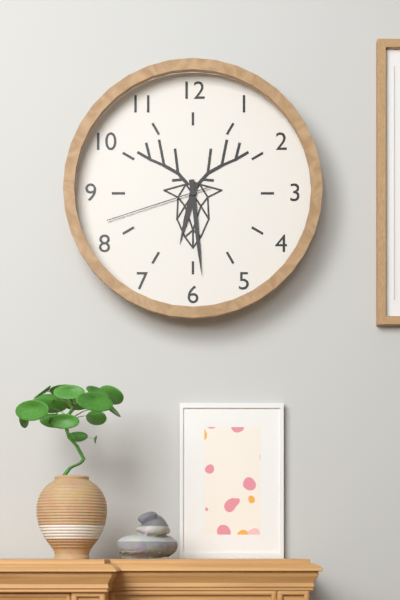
6h29m42s
